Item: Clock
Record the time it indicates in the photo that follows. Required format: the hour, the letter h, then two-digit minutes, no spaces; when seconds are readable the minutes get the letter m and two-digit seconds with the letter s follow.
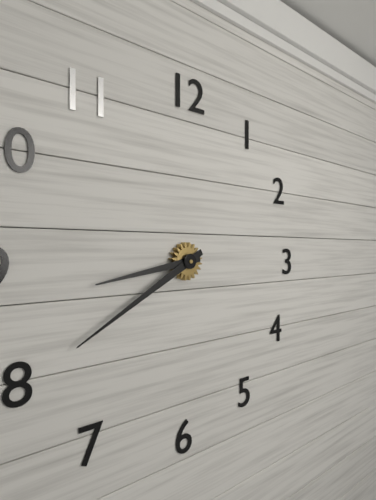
8h40
